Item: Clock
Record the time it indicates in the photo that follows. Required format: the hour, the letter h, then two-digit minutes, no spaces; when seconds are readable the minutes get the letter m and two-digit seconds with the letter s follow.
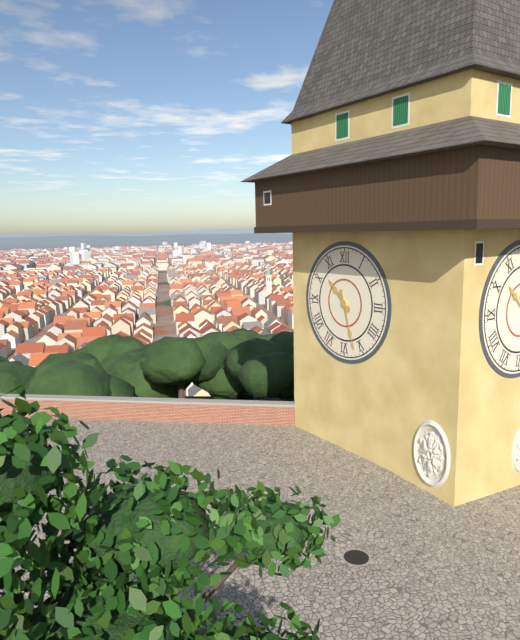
10h27
